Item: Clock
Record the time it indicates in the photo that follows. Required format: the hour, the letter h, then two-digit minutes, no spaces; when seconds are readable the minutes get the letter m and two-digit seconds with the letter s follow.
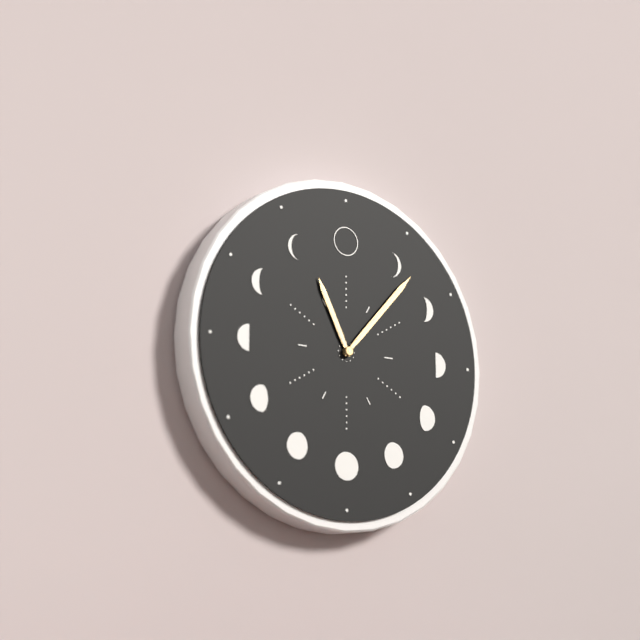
11h07
